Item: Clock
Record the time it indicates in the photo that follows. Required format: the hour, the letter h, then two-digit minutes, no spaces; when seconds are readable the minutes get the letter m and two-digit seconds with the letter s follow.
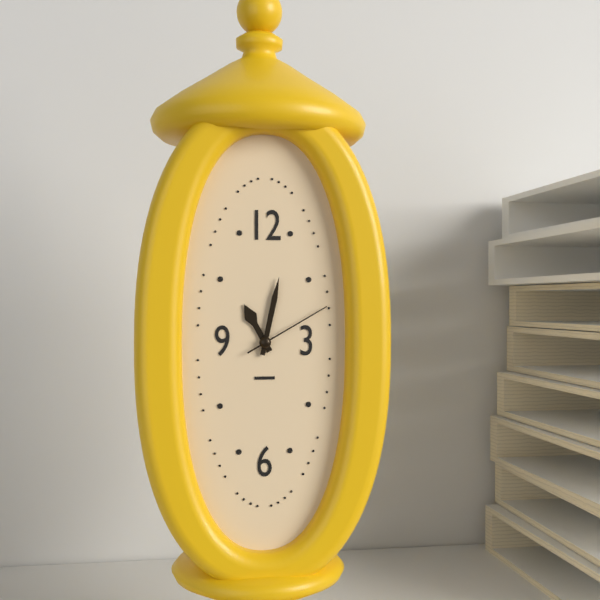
11h02m10s
